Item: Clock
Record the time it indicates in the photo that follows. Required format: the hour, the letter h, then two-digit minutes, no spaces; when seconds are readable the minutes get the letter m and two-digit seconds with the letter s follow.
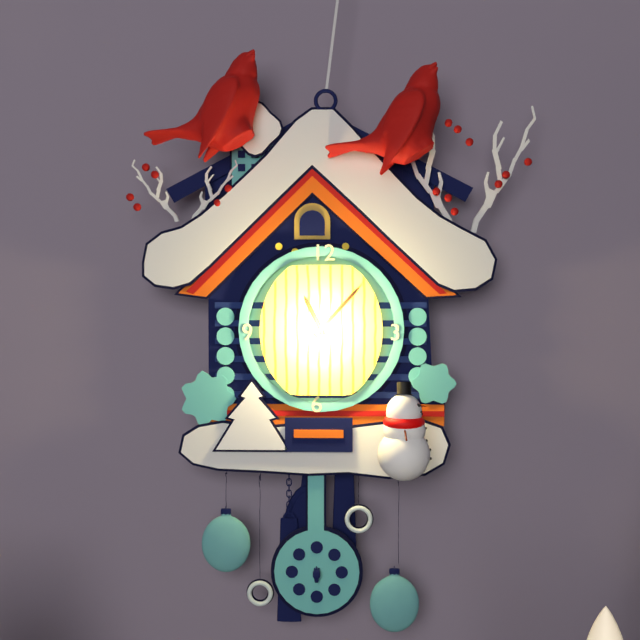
11h07
